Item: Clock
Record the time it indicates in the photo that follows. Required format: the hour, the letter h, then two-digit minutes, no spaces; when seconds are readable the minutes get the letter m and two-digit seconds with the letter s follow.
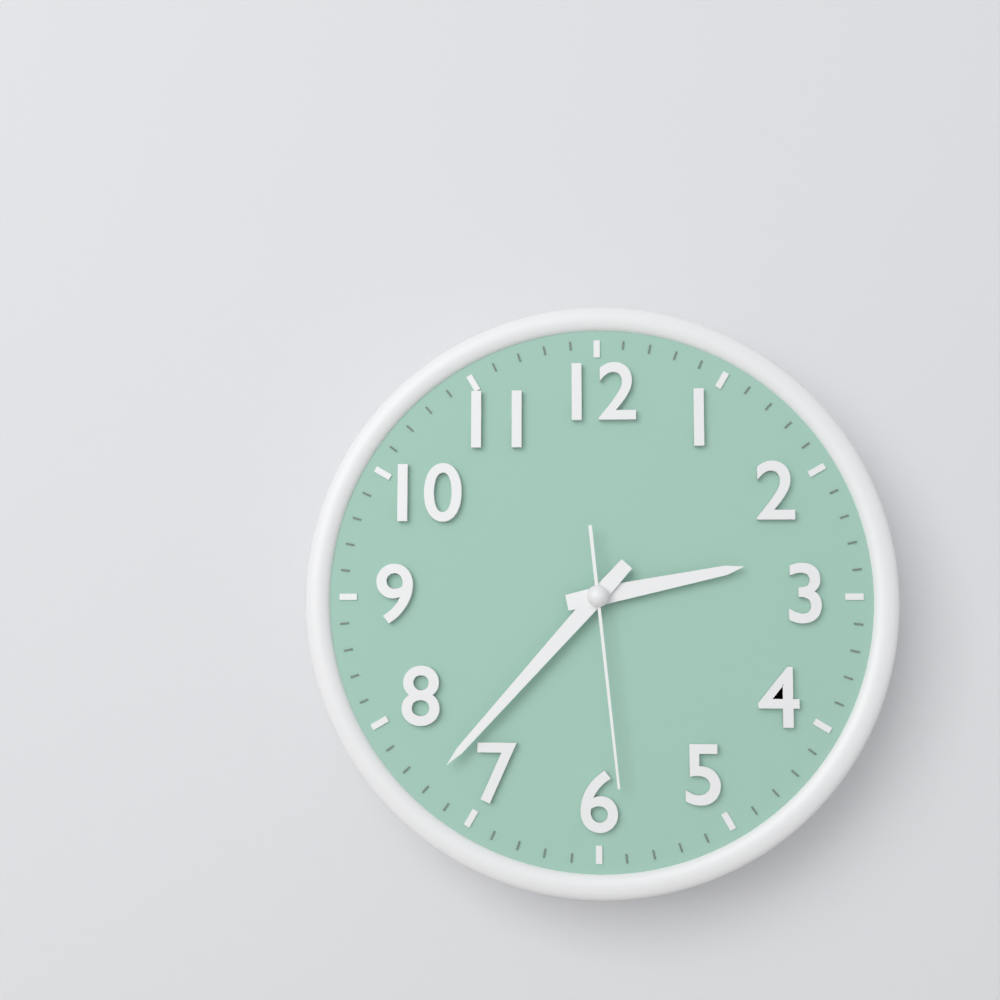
2h37m29s
